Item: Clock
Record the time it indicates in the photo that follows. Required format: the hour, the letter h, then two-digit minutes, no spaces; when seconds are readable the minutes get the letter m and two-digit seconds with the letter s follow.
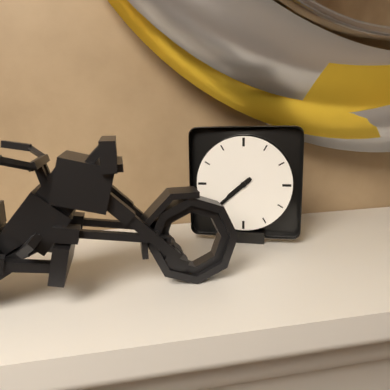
7h38
